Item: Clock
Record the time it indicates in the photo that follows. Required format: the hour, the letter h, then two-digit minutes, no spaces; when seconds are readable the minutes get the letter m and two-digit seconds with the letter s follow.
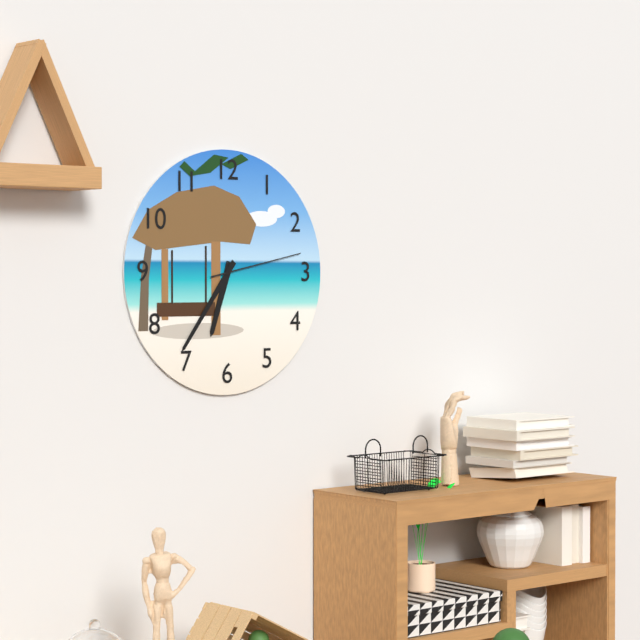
6h36m13s
